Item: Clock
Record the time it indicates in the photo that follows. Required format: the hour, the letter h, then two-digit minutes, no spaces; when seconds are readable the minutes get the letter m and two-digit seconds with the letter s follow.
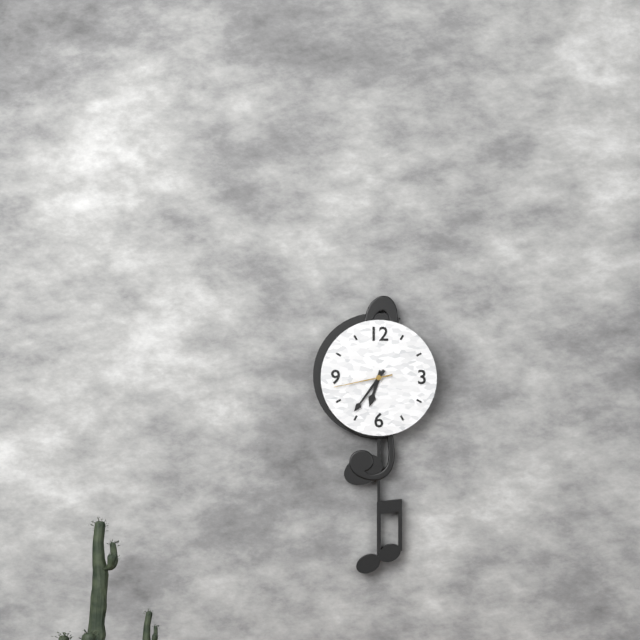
6h36m43s
